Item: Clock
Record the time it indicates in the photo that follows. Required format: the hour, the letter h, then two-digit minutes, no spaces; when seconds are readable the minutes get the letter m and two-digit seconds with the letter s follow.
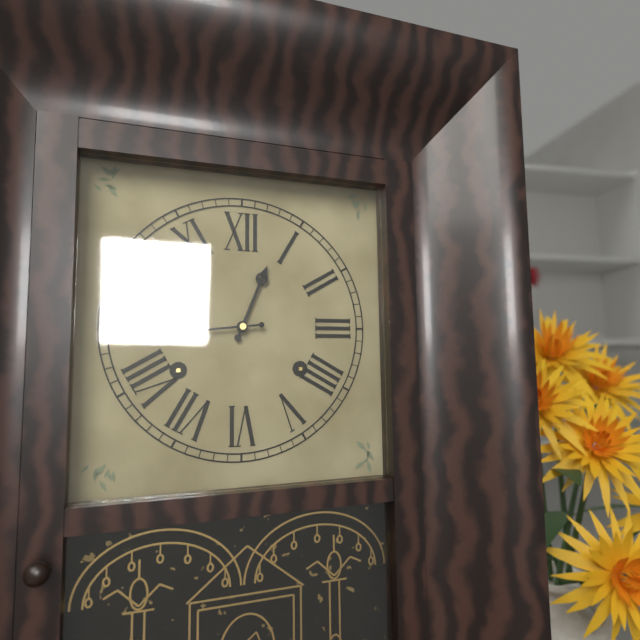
12h44
